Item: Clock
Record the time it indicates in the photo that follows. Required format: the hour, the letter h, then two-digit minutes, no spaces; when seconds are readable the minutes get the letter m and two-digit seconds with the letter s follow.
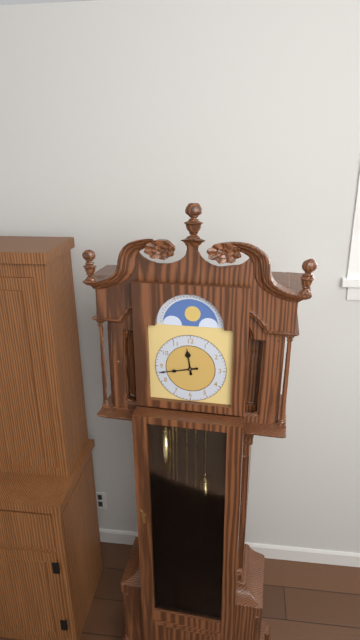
11h43
